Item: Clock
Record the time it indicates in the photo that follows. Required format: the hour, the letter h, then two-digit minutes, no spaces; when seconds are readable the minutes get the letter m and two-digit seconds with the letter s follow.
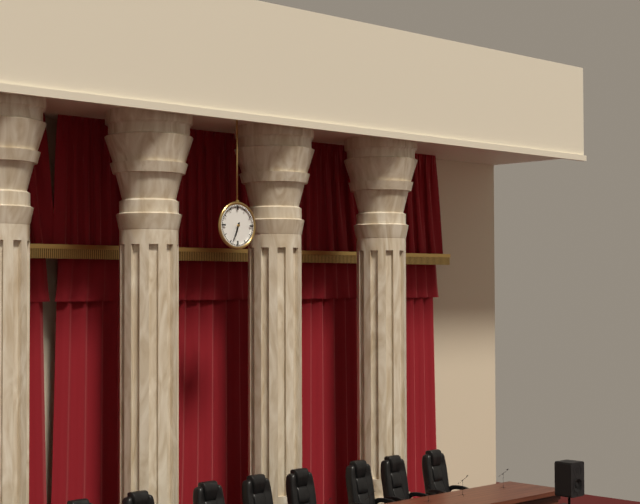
6h34
